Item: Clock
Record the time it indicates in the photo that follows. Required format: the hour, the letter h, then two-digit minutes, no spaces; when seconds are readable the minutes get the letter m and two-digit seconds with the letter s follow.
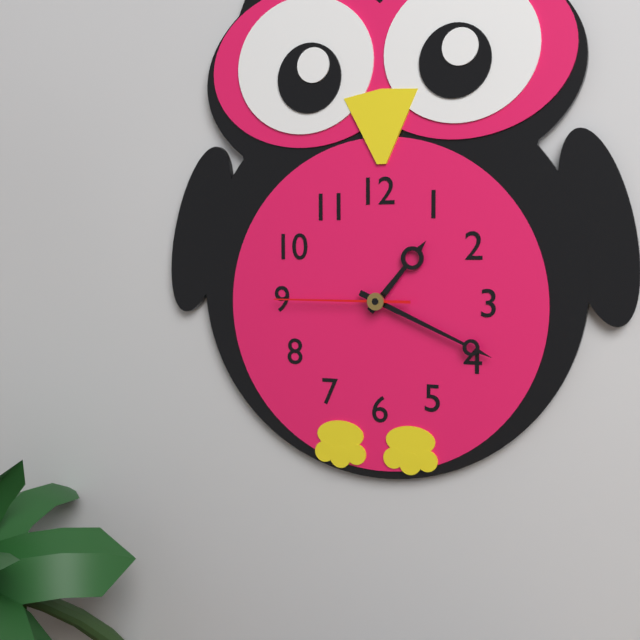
1h19m45s
